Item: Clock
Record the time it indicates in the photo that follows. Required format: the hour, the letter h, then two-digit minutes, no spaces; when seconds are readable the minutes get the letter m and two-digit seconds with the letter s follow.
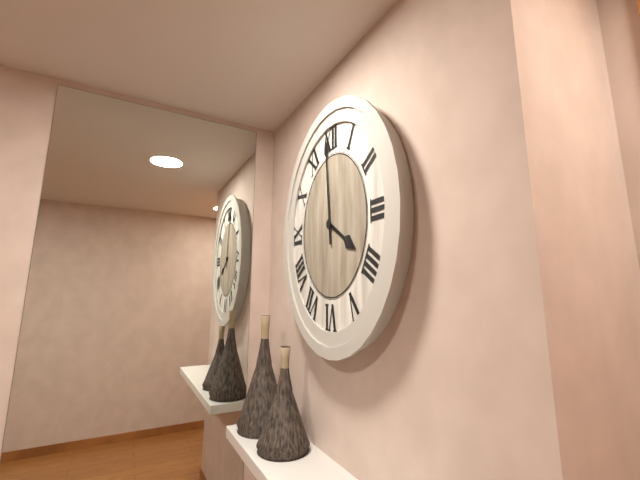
3h59
